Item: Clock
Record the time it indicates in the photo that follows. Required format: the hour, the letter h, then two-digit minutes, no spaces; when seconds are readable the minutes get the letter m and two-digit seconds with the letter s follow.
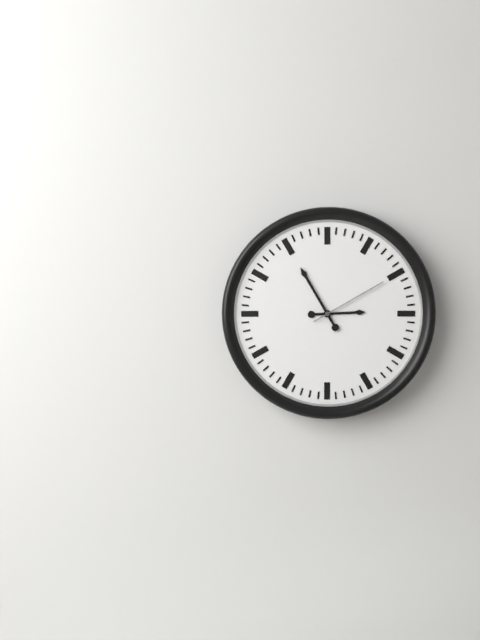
2h55m10s
